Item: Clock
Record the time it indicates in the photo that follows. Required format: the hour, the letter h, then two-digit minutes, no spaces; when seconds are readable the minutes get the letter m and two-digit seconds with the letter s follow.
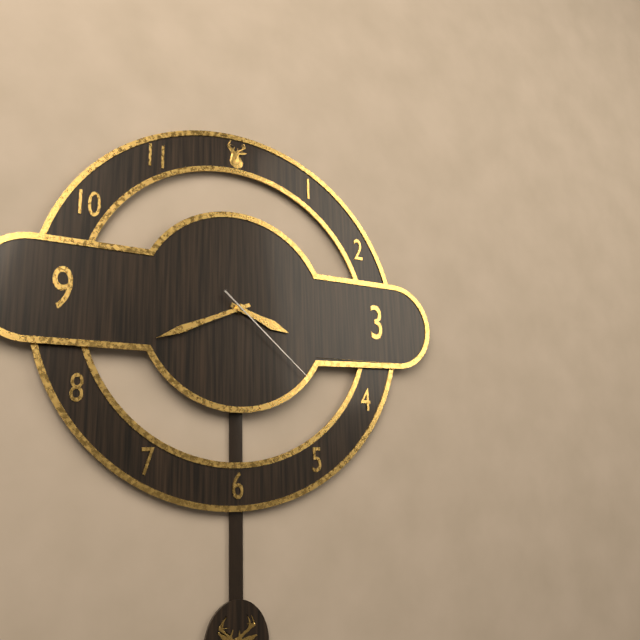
3h41m22s
